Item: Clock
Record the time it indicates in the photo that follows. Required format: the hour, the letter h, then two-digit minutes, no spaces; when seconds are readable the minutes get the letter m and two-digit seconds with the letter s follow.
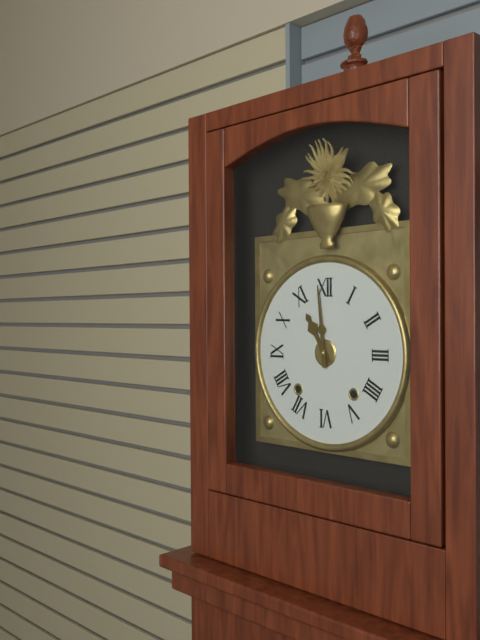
10h59
